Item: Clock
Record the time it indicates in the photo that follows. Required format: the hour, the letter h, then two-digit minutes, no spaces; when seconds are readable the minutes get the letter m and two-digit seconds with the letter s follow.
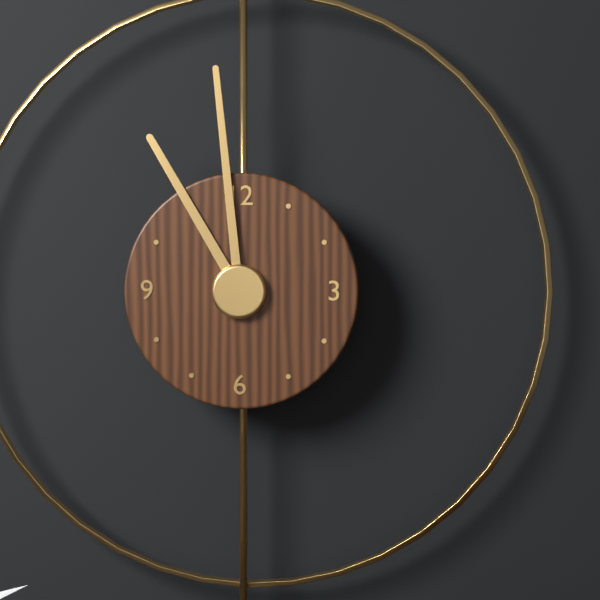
10h59
